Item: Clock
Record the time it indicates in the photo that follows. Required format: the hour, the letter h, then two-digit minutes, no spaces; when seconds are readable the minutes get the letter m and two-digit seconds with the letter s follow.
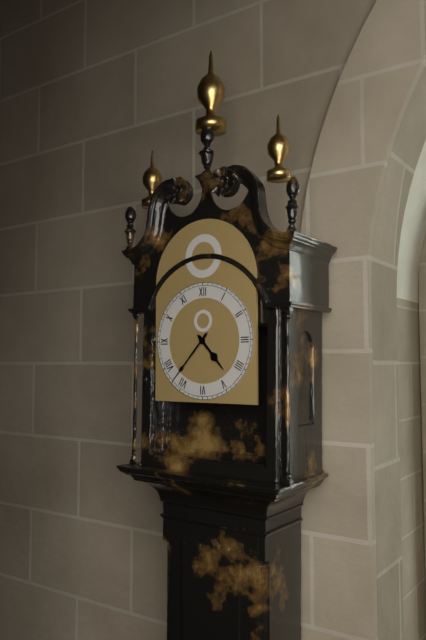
4h37
